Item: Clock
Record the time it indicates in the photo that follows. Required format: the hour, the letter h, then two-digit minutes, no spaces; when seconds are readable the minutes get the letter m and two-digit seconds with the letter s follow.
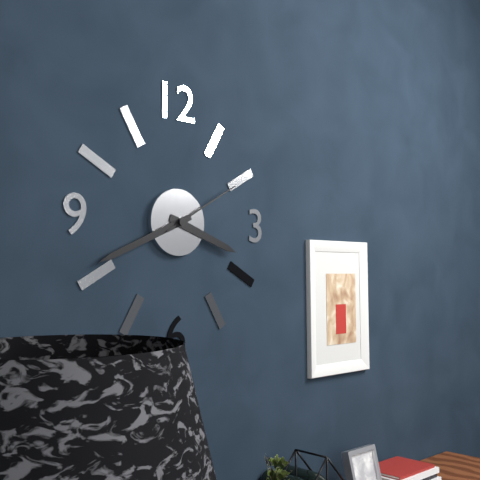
3h41m10s
